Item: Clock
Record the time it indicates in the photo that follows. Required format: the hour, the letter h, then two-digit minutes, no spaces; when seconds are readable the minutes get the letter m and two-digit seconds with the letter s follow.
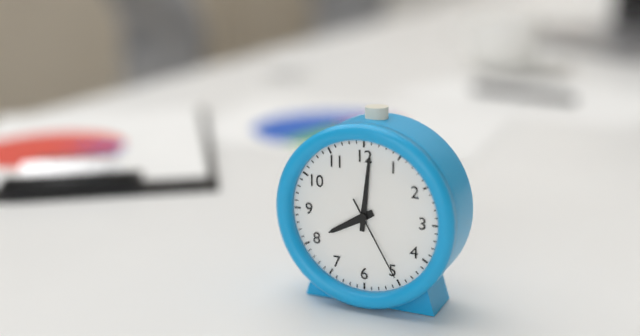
8h01m25s
